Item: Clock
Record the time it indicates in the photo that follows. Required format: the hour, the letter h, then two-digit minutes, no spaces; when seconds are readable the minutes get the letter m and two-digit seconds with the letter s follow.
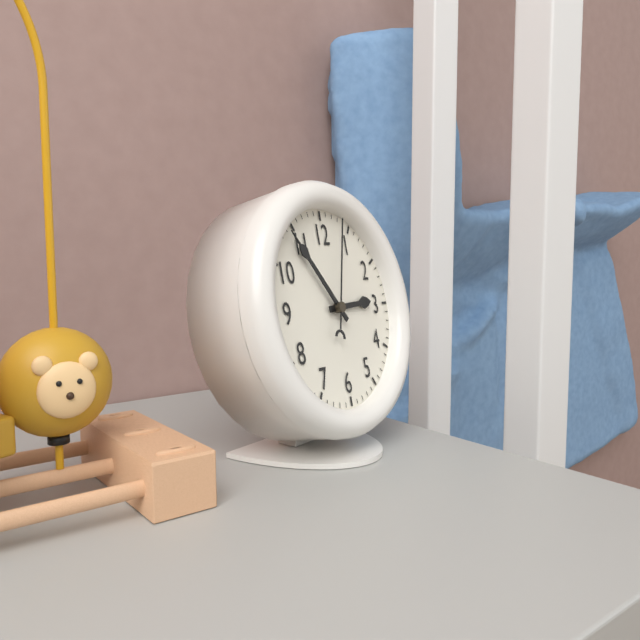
2h54m03s
